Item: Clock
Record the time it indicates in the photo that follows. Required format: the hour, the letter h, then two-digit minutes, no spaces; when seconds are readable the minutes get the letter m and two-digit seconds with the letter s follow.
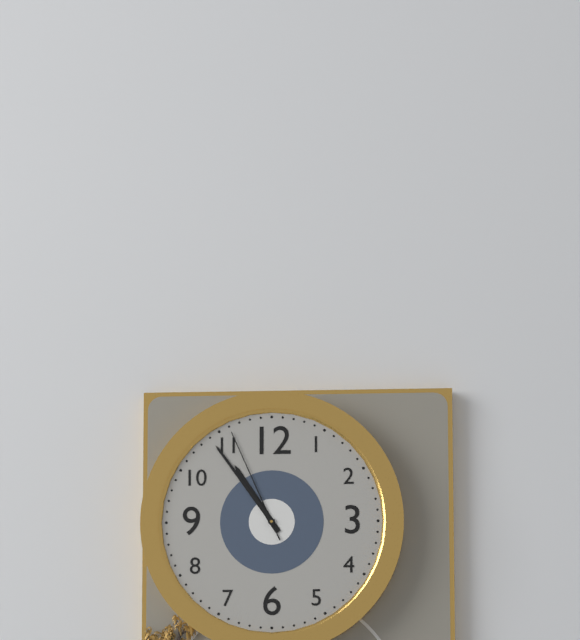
10h54m56s
